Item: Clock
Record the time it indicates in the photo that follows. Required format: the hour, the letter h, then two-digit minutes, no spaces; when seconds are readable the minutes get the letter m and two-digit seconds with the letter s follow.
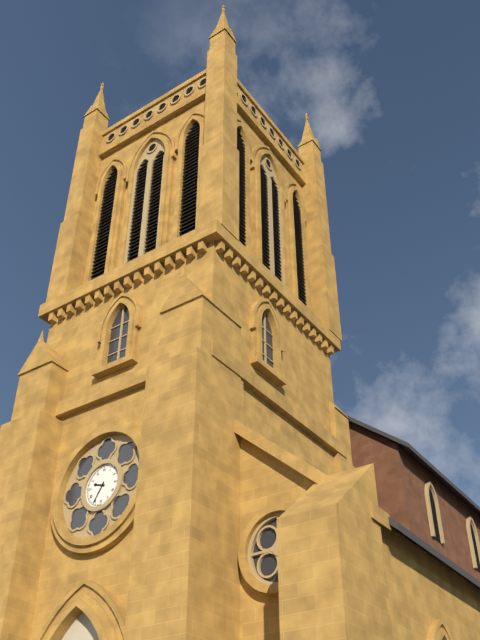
9h35
